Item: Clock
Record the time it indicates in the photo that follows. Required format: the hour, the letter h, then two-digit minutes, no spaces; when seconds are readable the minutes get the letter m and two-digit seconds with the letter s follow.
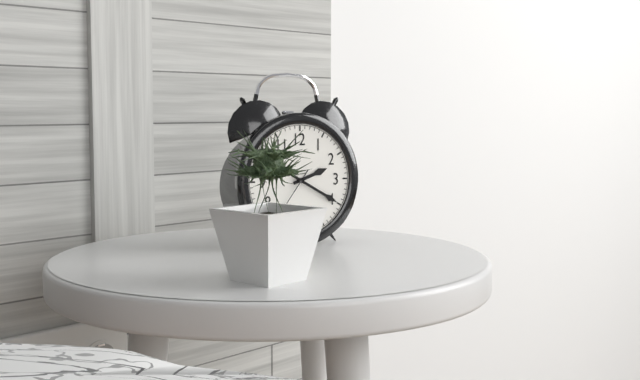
2h20
